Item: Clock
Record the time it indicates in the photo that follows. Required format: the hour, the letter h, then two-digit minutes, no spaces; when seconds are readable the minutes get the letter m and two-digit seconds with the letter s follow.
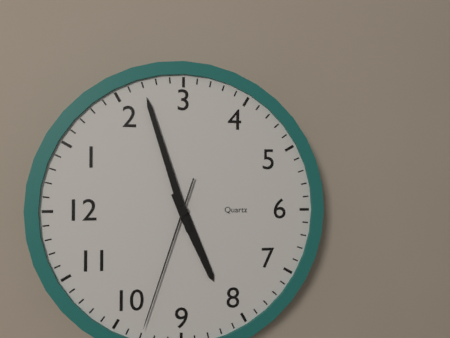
8h12m48s
